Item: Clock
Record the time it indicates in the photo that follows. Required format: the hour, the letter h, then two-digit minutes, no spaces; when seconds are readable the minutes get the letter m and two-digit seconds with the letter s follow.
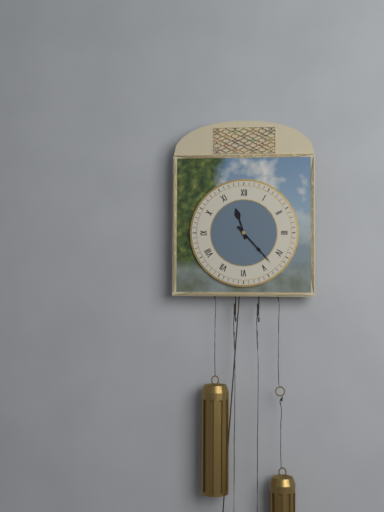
11h23
